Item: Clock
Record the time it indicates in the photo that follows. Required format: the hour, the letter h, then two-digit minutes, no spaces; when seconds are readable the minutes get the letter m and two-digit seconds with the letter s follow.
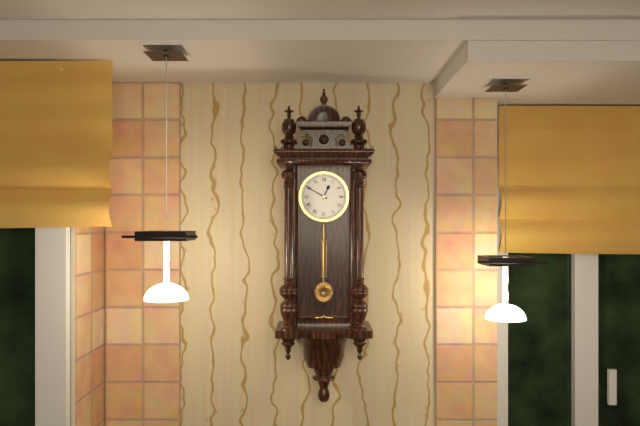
12h50
